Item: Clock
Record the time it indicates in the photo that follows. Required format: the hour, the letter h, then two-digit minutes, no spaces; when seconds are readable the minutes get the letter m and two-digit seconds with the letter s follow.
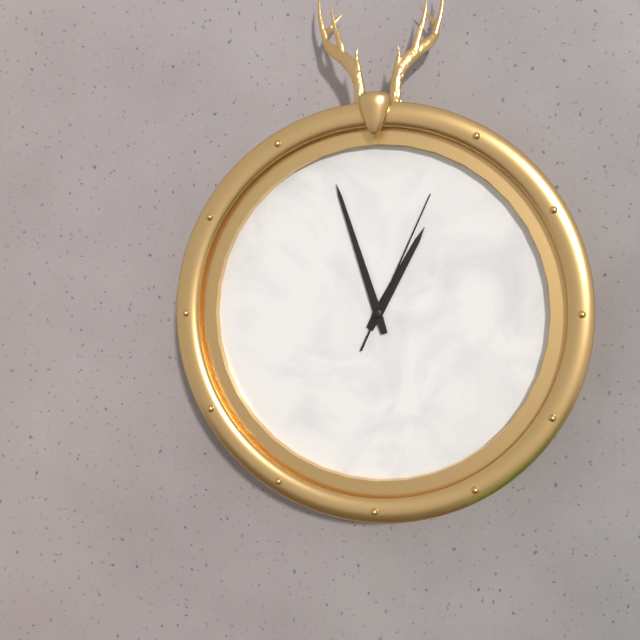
12h57m04s
